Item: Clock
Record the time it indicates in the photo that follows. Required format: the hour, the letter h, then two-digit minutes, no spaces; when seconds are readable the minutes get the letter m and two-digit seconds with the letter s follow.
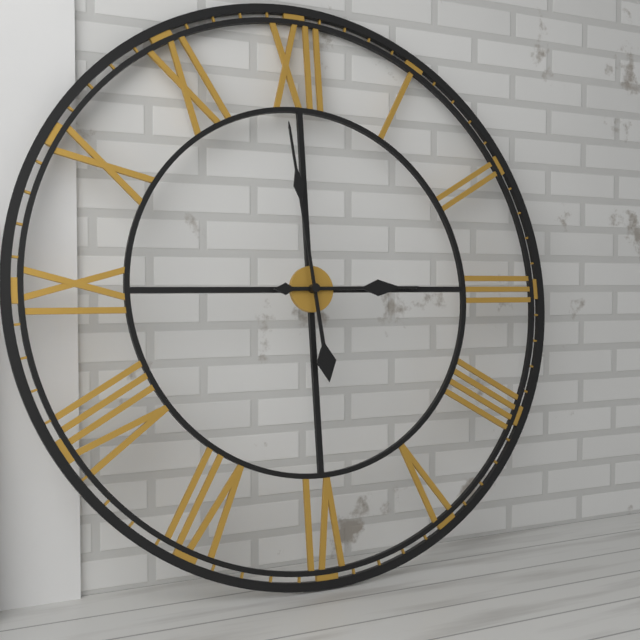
2h59
